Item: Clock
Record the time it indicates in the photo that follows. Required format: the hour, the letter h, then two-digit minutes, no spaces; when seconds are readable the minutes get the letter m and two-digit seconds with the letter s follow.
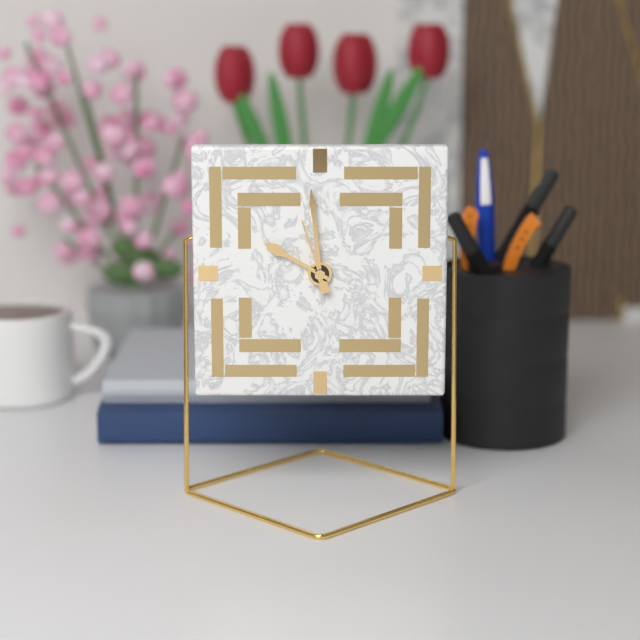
9h59m57s
